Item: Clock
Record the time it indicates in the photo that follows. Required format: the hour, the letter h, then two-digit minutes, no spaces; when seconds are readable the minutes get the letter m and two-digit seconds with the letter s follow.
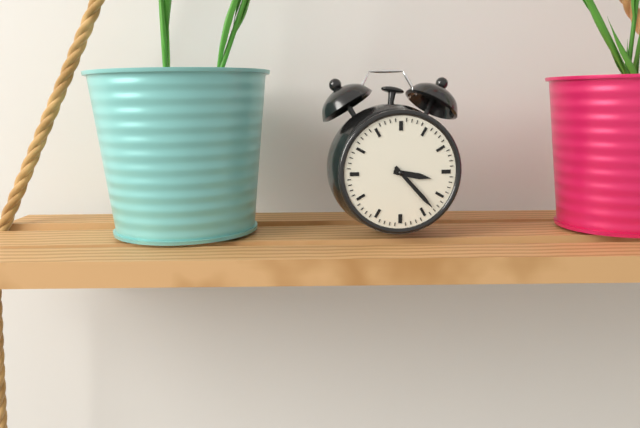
3h23
